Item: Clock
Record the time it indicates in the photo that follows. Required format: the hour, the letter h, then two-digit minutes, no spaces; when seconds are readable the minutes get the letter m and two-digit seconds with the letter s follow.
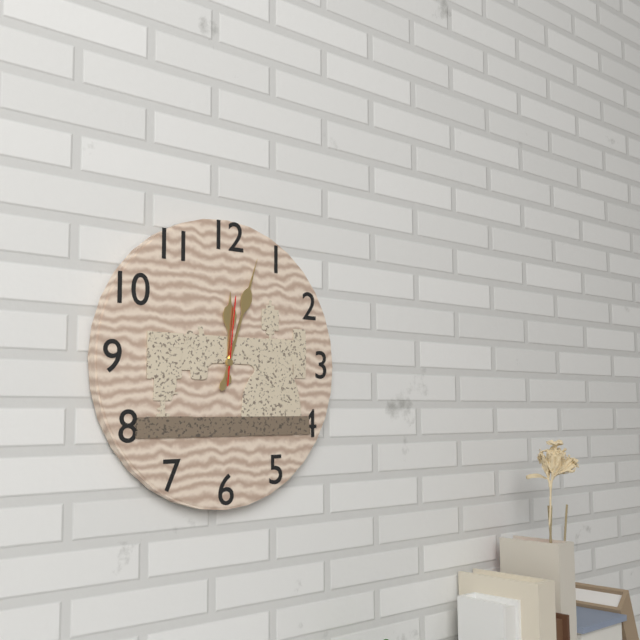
12h03m01s
